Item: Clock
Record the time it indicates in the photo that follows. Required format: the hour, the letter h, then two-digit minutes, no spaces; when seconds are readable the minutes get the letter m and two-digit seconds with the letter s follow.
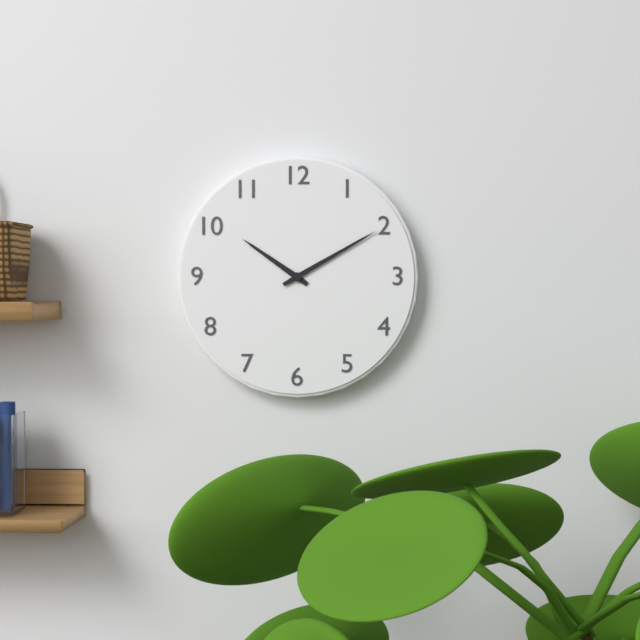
10h10
